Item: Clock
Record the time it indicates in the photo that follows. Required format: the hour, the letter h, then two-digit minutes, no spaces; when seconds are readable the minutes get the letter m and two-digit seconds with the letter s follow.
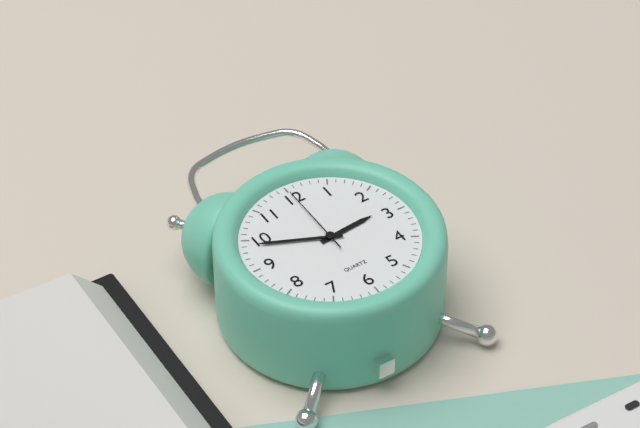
2h49m00s
